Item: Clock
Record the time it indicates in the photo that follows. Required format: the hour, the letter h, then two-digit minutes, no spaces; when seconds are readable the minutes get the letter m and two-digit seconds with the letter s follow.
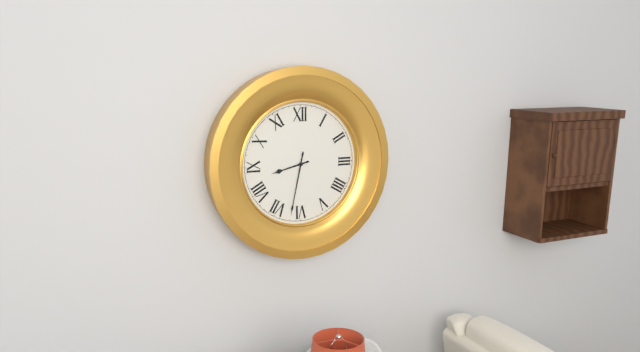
8h32
